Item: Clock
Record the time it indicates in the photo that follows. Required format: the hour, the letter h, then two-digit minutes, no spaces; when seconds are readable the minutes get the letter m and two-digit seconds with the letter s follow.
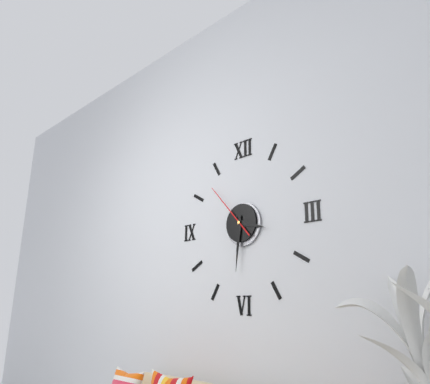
3h31m53s
